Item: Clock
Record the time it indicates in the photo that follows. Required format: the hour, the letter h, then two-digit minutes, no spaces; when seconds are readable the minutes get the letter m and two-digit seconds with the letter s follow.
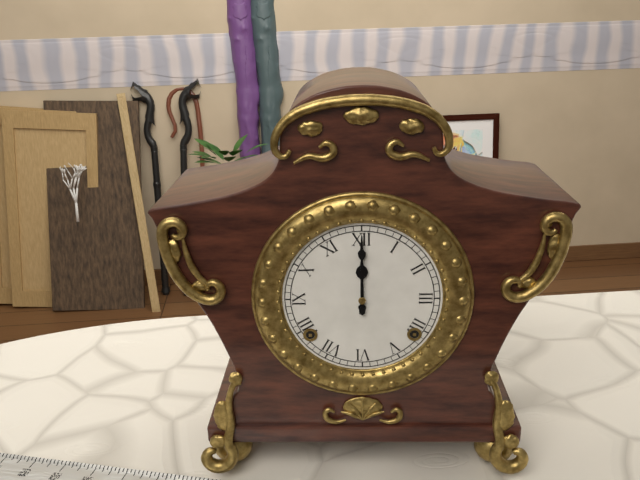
12h00
